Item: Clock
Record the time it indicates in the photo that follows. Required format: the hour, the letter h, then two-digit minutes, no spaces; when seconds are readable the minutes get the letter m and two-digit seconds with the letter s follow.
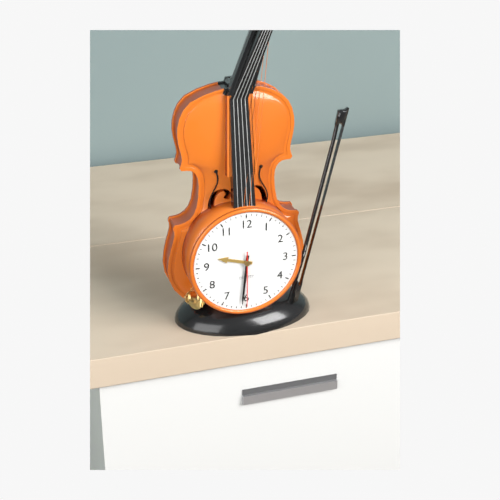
9h31m30s
